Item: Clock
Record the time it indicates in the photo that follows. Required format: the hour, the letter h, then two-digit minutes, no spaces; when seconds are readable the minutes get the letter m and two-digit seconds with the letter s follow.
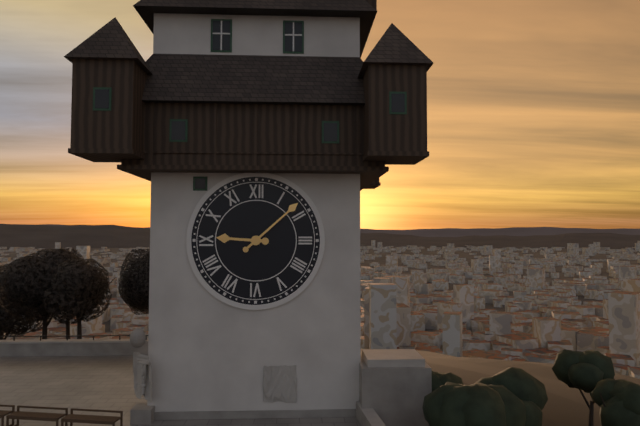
9h08
